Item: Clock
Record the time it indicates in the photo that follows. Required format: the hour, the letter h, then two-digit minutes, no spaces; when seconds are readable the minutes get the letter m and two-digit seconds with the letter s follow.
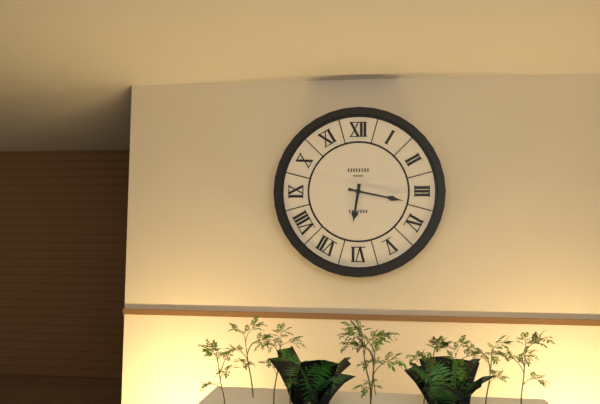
6h17
